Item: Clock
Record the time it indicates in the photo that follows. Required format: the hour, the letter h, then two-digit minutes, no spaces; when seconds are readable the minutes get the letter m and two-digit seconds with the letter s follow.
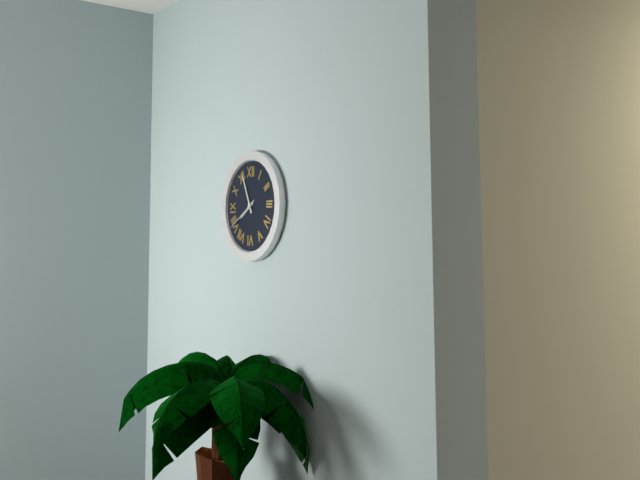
7h56
